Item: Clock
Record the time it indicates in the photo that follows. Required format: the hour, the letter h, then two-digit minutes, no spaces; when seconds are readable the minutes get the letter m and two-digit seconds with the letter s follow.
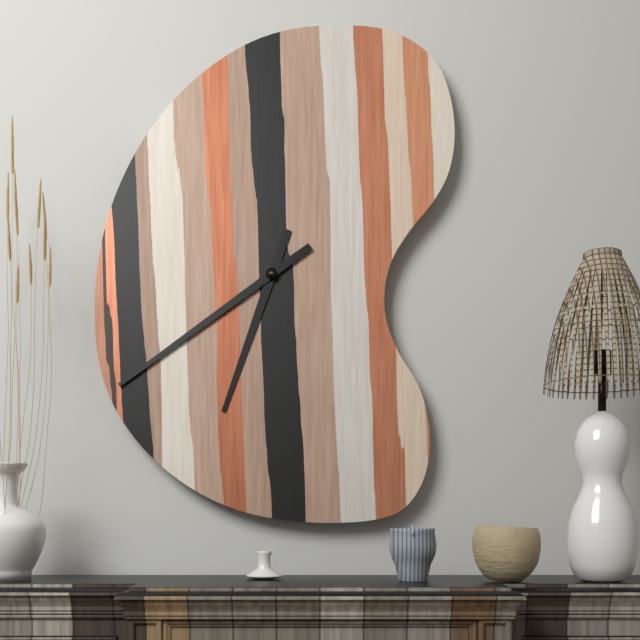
6h39
